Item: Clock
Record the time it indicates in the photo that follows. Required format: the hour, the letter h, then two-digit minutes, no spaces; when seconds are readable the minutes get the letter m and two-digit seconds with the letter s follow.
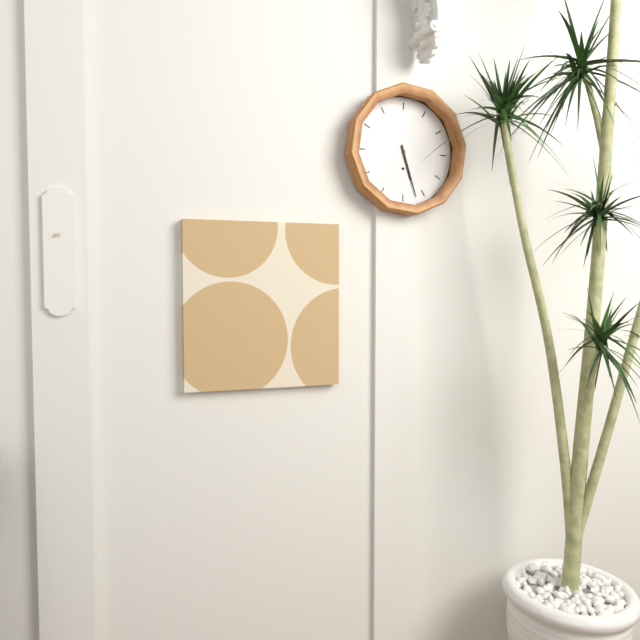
5h27
